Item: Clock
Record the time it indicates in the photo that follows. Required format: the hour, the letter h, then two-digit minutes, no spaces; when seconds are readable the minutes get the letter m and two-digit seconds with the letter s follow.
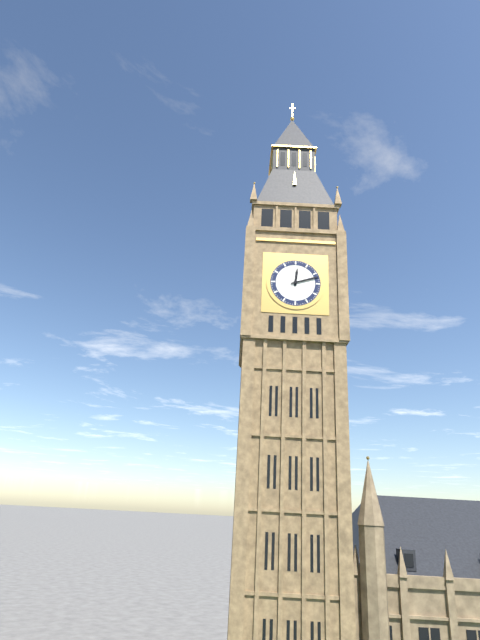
12h12
